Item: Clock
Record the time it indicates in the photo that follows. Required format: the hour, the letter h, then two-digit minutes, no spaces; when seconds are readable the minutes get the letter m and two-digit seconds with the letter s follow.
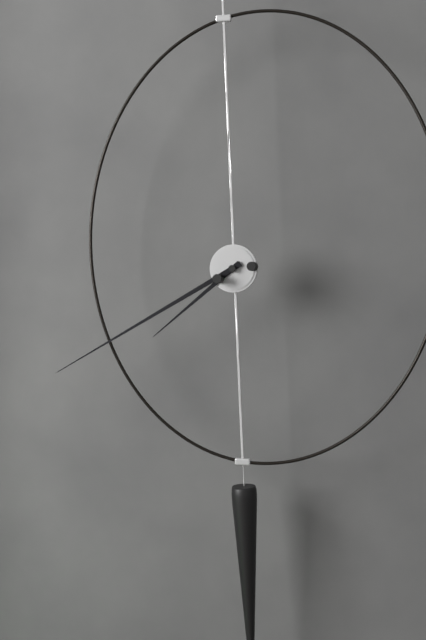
7h40
